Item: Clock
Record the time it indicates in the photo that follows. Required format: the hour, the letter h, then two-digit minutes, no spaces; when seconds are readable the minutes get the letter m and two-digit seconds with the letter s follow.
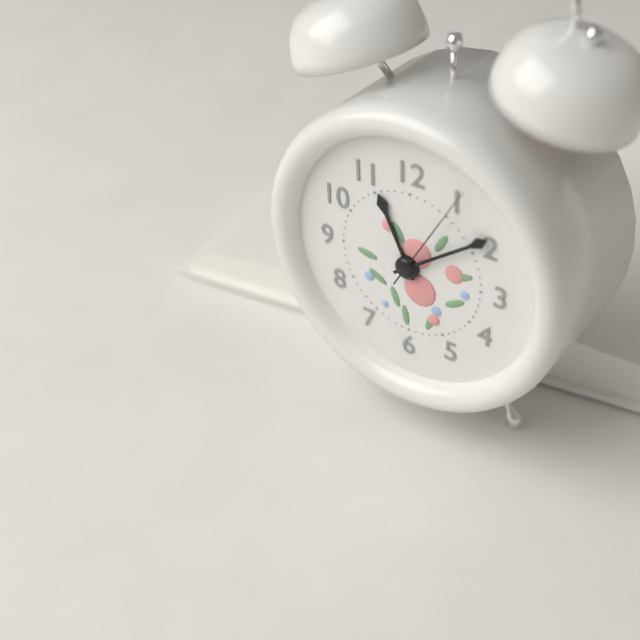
11h09m05s
